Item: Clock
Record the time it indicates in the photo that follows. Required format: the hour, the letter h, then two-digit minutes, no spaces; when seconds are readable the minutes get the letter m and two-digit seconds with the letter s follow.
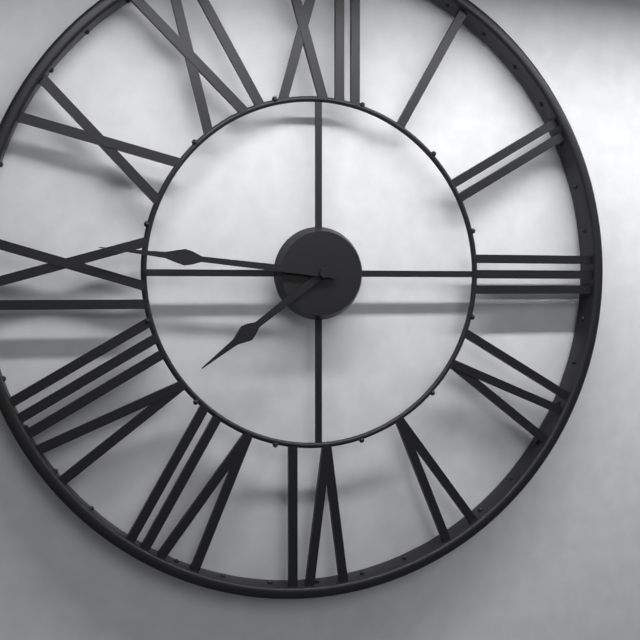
7h46
